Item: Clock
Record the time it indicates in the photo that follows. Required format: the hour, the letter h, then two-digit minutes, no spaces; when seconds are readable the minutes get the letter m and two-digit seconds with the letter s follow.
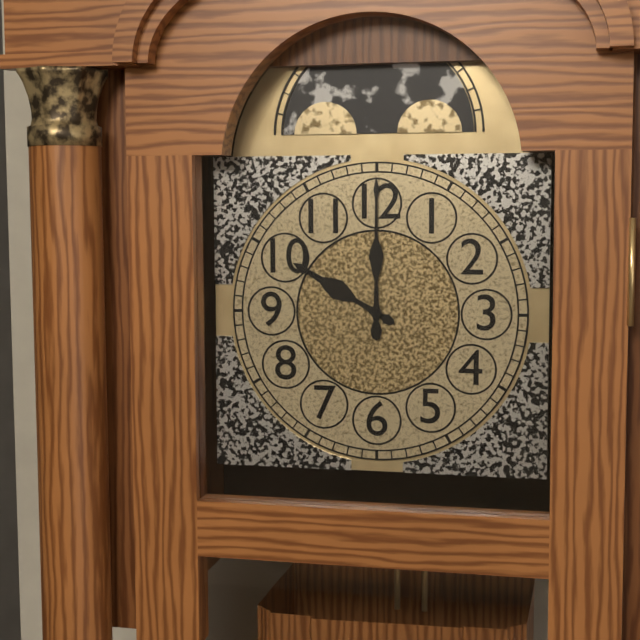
10h00
